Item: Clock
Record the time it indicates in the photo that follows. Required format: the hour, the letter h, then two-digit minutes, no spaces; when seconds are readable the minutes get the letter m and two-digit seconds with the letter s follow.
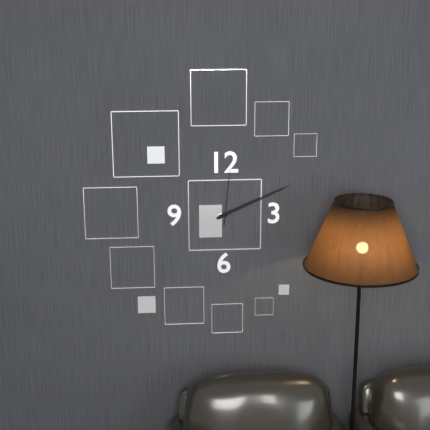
2h11m01s
